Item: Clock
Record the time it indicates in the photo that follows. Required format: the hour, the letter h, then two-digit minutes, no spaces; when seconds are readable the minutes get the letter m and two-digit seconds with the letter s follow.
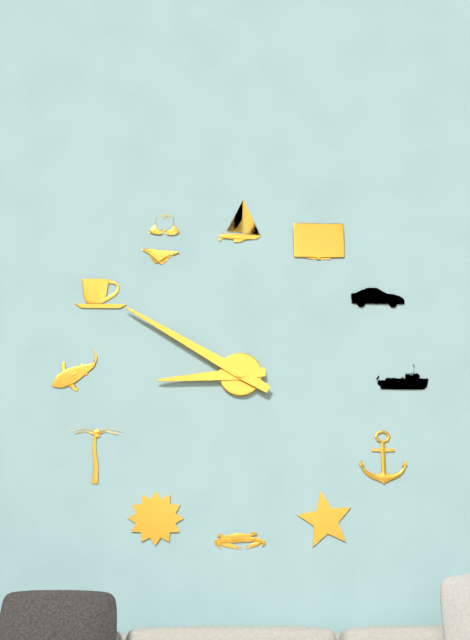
8h50
